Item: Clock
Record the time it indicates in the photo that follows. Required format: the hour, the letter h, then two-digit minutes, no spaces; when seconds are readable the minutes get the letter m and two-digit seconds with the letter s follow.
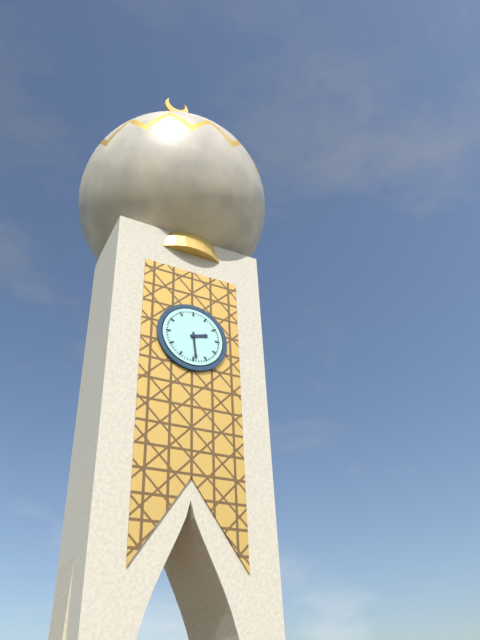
2h29
